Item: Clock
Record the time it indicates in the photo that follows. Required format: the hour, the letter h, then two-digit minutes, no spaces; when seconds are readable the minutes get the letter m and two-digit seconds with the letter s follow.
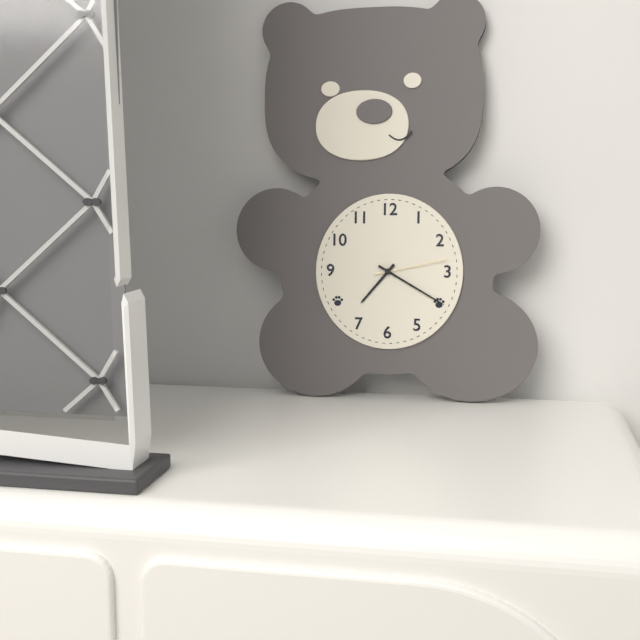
7h20m13s
